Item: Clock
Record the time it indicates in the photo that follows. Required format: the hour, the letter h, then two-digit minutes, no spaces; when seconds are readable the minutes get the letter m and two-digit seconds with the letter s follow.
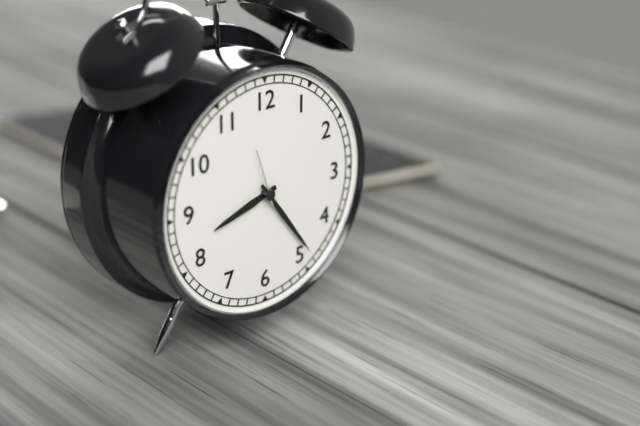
8h24m57s
